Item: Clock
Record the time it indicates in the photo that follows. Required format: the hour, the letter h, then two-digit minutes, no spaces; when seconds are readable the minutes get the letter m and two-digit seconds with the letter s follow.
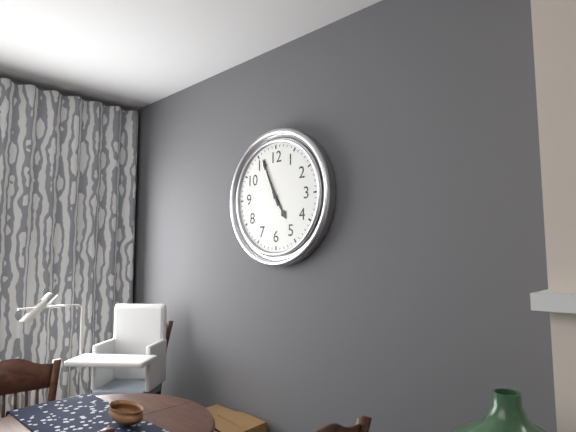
4h56
